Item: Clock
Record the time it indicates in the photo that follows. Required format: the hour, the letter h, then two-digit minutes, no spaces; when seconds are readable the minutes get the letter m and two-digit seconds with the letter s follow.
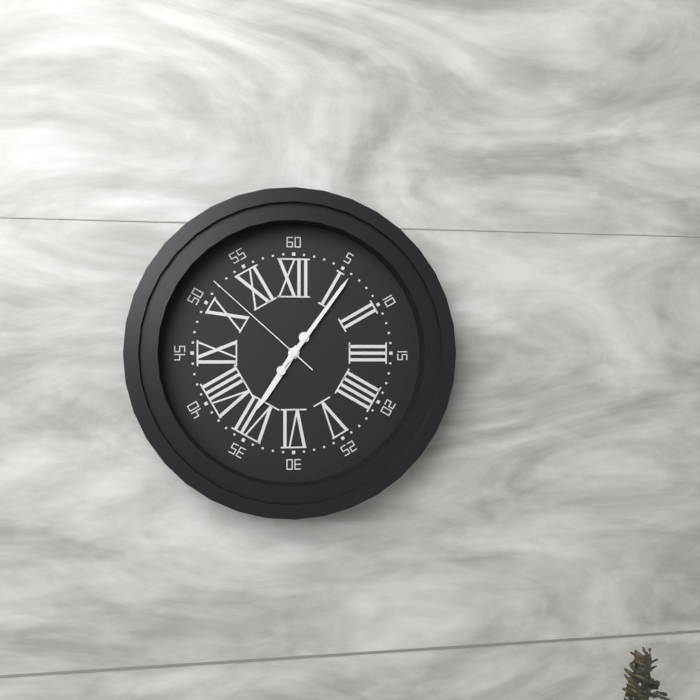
7h06m52s
